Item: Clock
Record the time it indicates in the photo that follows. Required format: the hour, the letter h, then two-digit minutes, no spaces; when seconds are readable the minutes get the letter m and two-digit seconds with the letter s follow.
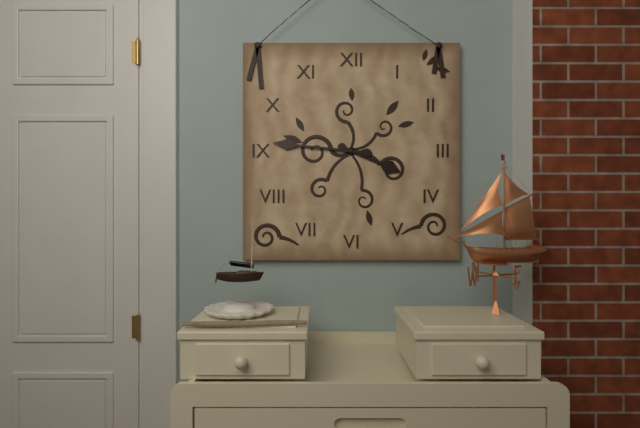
3h46
